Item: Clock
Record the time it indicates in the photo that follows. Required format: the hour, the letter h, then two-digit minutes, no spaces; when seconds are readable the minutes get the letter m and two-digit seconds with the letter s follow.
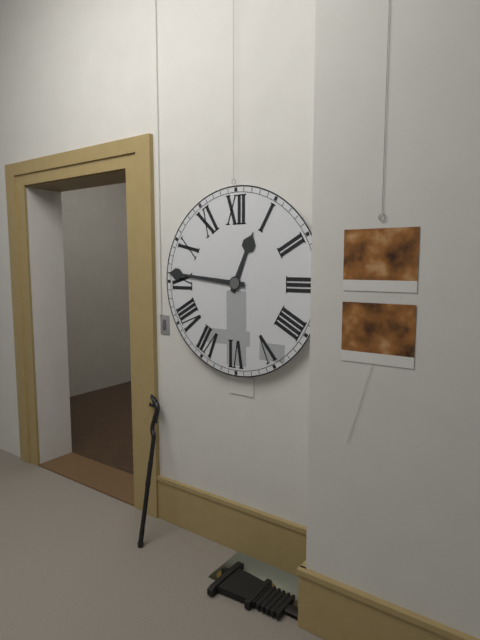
12h46
